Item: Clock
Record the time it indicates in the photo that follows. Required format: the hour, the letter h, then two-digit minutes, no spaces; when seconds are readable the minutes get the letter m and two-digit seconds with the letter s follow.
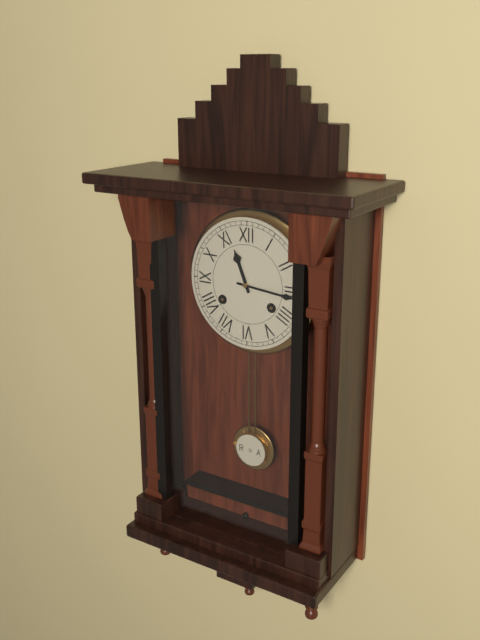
11h16
